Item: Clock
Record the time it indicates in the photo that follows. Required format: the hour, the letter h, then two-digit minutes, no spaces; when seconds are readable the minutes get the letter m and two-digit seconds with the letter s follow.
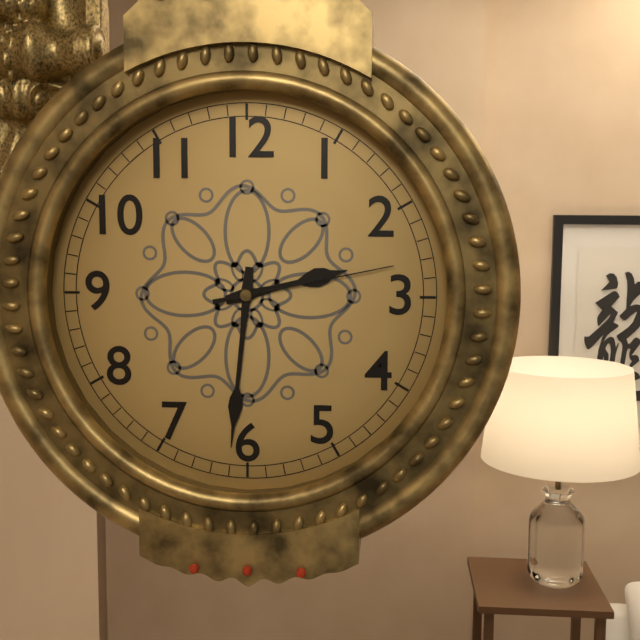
2h31m13s
